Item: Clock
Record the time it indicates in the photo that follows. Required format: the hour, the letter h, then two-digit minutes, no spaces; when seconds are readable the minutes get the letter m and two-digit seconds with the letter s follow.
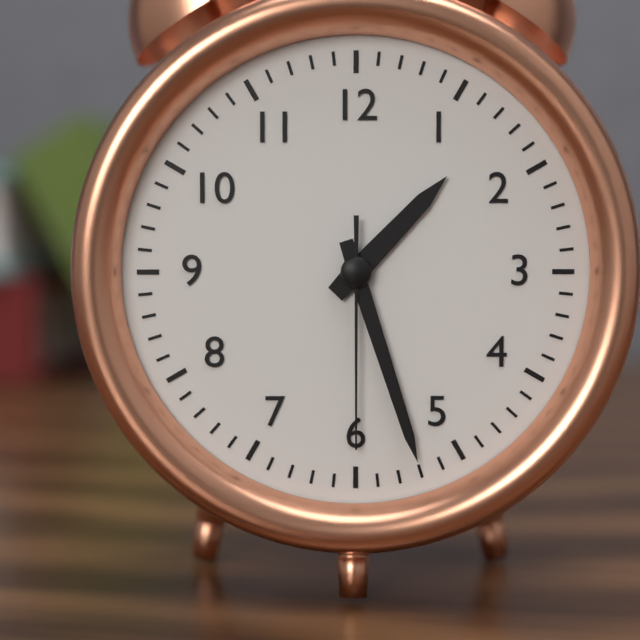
1h27m30s
